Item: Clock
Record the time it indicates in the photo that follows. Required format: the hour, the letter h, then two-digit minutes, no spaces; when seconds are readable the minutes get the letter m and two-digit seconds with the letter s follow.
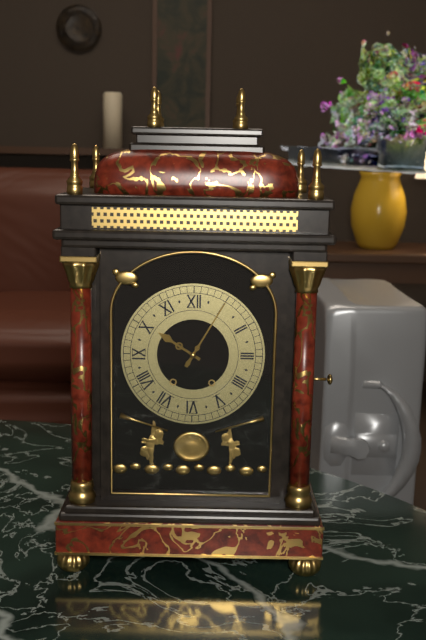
10h05
